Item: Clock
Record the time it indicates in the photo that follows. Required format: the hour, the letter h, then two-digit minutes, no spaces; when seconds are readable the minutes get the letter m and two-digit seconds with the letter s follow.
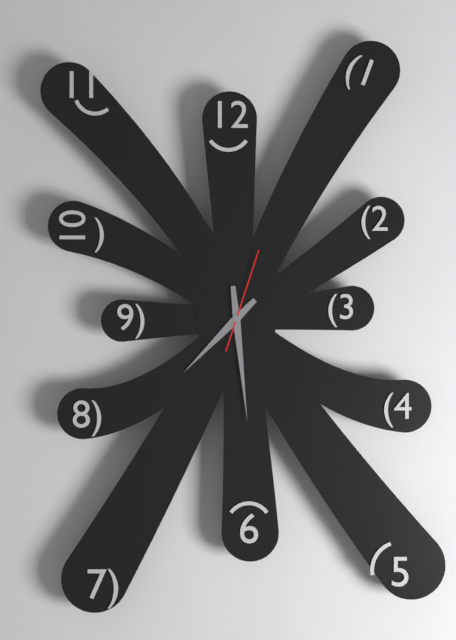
7h29m03s
